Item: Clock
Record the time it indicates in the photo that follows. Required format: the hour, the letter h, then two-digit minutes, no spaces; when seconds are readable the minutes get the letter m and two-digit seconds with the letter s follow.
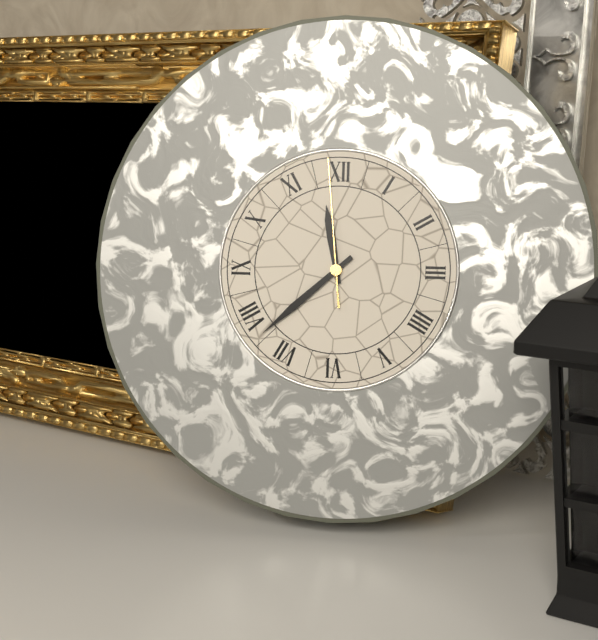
11h38m59s
